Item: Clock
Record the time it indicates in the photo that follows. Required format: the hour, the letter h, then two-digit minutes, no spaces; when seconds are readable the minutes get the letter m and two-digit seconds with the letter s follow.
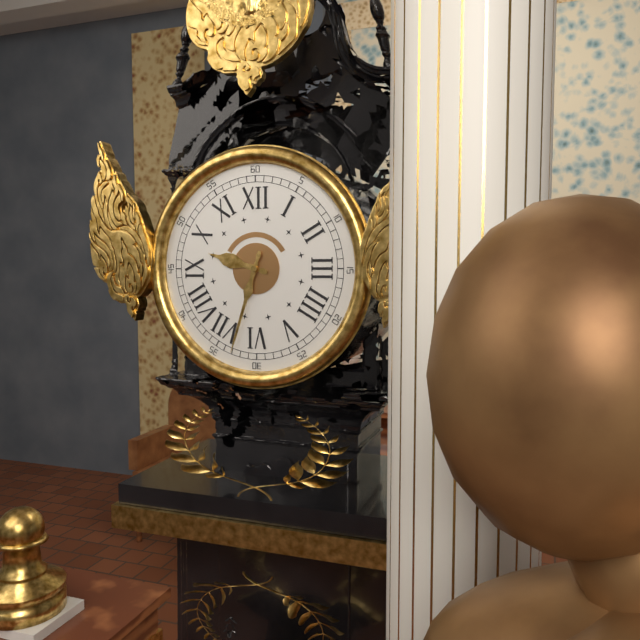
9h33
